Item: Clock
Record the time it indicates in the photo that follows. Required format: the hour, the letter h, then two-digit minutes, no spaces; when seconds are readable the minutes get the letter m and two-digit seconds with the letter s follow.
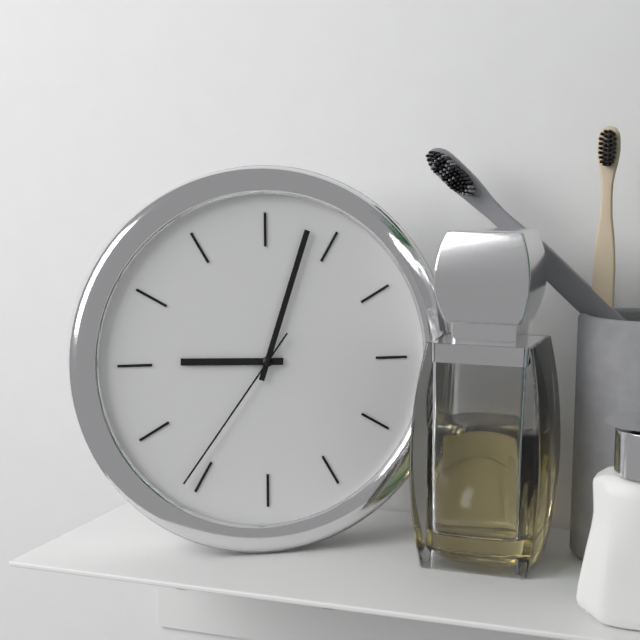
9h03m36s
